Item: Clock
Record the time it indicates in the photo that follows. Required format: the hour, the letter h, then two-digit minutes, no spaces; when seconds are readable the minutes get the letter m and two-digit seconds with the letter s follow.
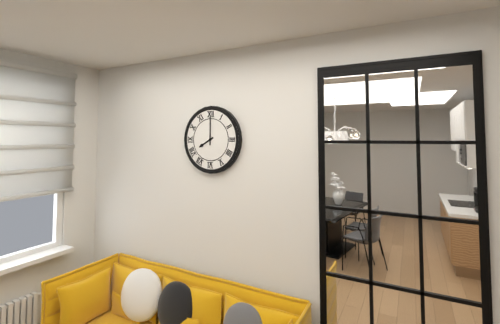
8h00
